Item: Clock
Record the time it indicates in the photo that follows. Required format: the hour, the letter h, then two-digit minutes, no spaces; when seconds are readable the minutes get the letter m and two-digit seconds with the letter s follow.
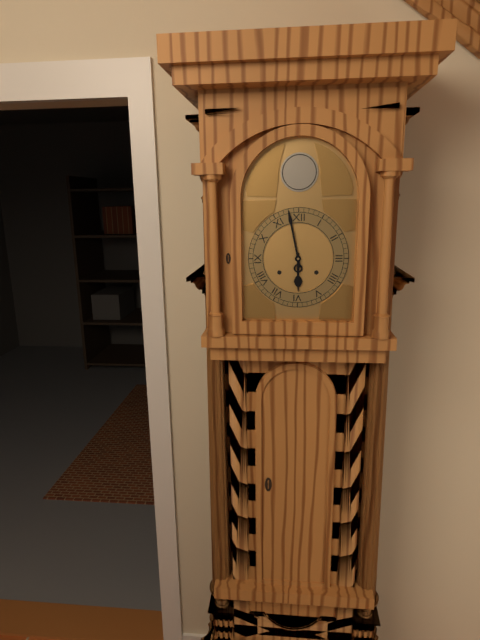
5h58
